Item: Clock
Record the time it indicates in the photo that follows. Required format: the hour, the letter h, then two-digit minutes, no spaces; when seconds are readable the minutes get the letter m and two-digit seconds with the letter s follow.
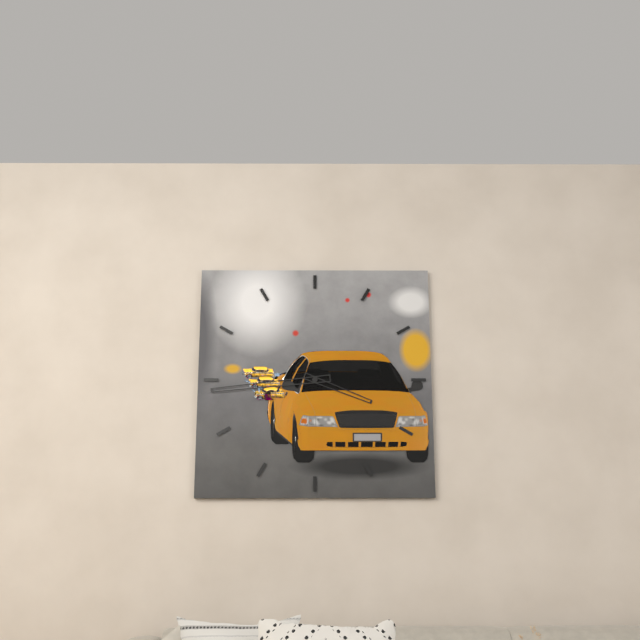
3h44
